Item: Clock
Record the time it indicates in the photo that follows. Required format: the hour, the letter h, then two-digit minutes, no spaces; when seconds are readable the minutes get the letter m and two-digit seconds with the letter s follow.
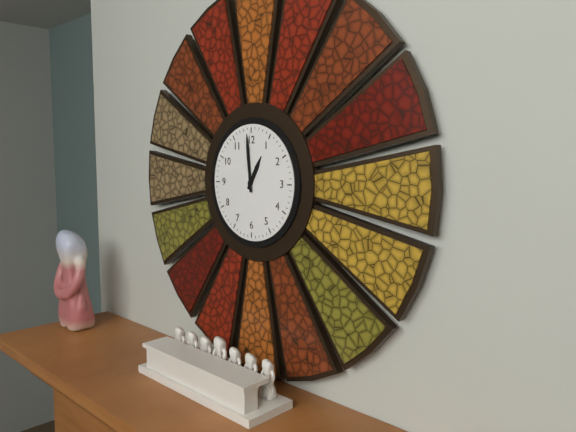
12h59
